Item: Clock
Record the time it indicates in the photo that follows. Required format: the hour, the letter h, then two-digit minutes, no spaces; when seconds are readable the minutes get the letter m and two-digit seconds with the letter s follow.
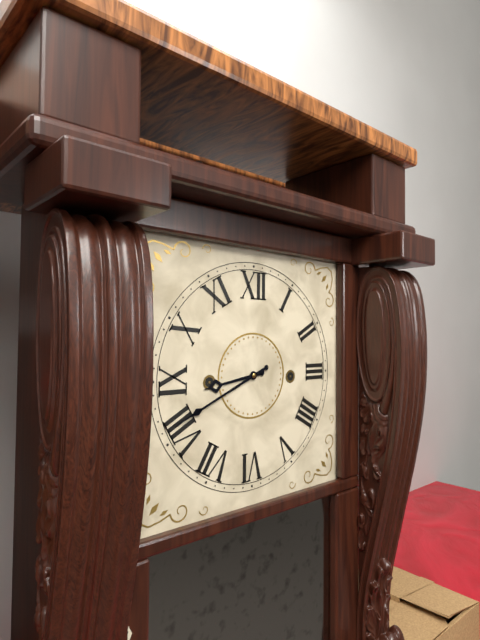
8h41
